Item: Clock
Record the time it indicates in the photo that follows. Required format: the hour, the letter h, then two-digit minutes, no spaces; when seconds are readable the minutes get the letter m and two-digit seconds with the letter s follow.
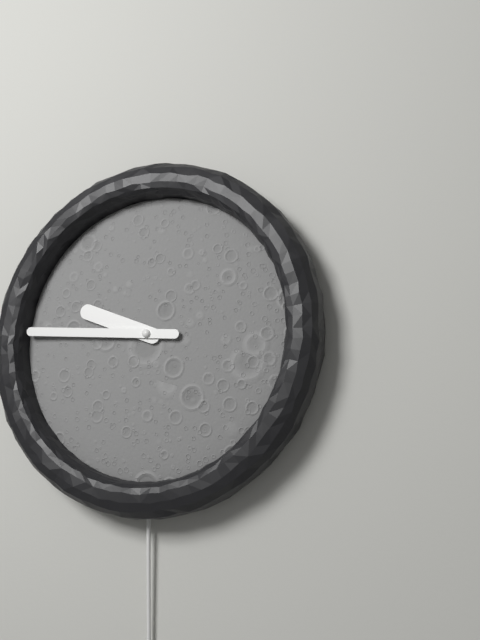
9h46
